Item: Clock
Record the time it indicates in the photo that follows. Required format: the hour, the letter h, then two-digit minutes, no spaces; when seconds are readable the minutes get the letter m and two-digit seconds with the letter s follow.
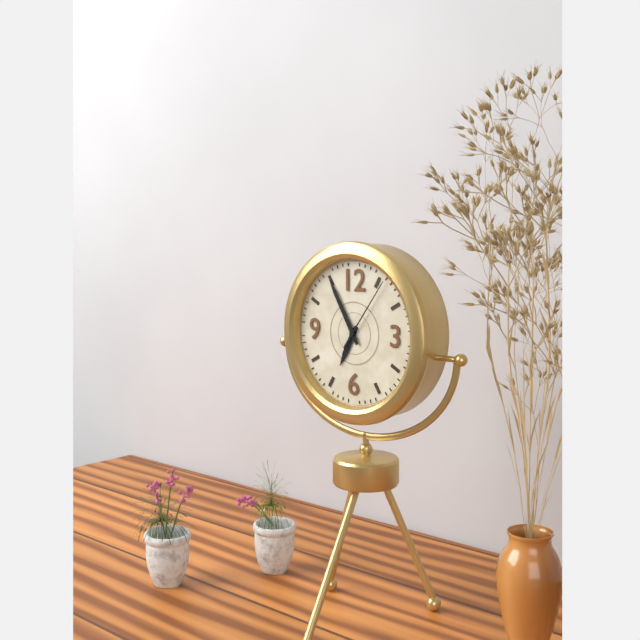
6h55m06s
